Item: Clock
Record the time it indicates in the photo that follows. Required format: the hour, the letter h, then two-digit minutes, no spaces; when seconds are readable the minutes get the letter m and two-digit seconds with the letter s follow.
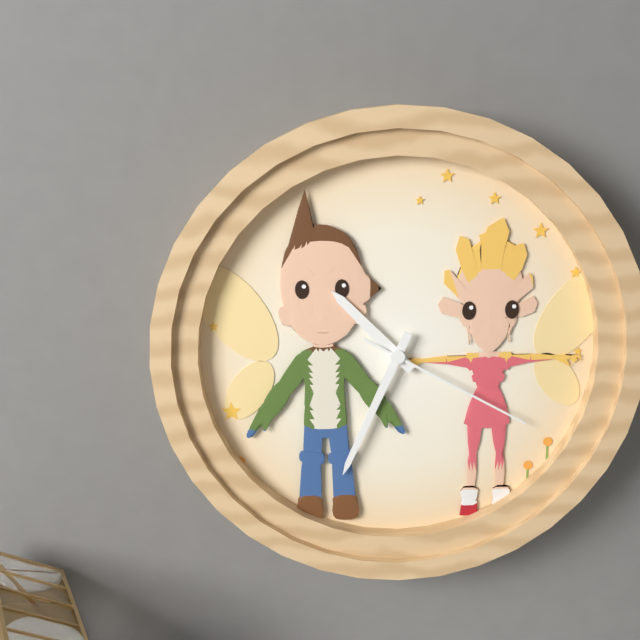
10h34m20s
